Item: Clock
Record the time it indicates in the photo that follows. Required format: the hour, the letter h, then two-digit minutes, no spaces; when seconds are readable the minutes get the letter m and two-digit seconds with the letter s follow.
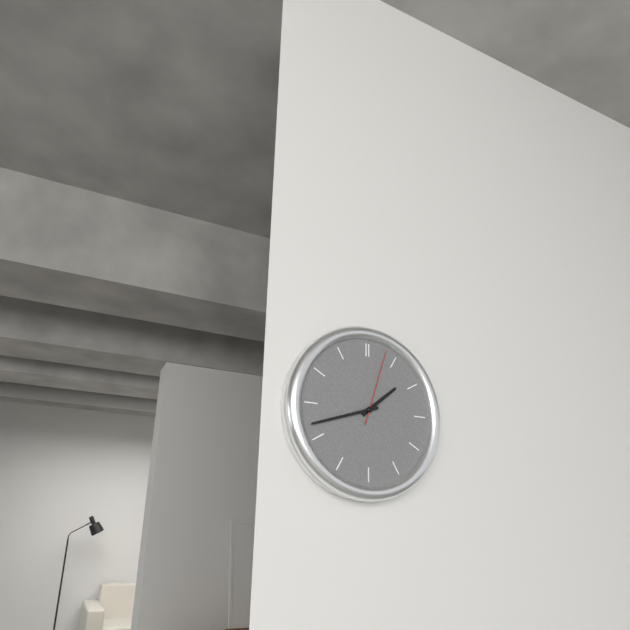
1h42m03s
